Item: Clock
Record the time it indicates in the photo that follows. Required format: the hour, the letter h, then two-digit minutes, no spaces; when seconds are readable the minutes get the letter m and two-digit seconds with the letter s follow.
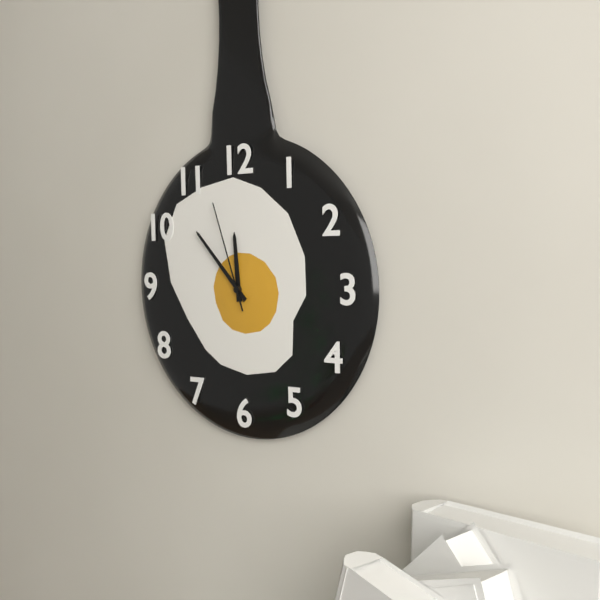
11h53m57s
